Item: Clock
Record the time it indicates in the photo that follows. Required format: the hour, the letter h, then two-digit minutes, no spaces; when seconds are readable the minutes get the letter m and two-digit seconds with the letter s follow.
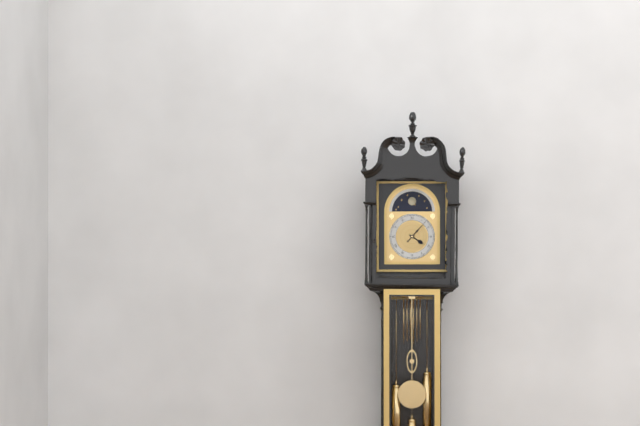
4h07
